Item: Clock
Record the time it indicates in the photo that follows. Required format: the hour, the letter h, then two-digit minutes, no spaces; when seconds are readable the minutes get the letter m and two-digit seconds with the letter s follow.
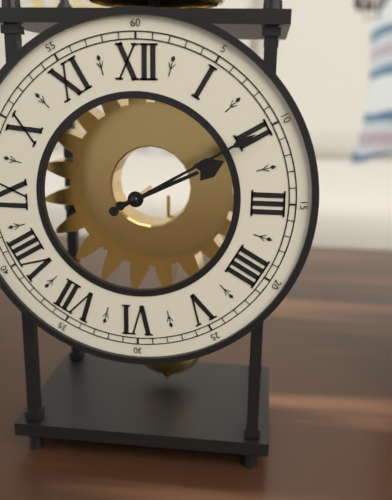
2h10
